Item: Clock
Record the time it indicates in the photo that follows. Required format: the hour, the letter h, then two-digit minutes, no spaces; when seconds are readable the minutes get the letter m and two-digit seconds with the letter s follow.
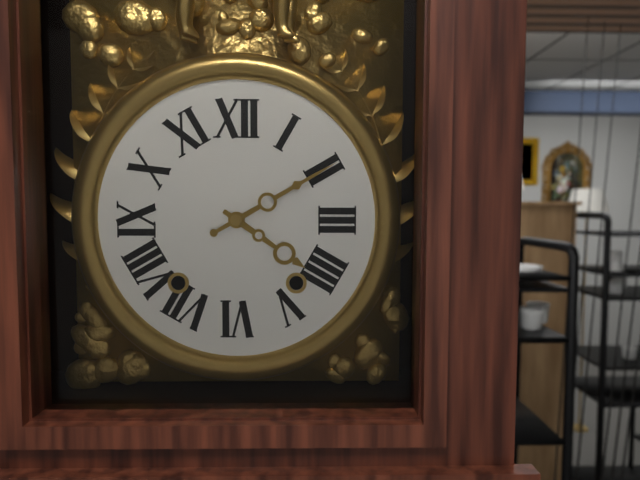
4h10
